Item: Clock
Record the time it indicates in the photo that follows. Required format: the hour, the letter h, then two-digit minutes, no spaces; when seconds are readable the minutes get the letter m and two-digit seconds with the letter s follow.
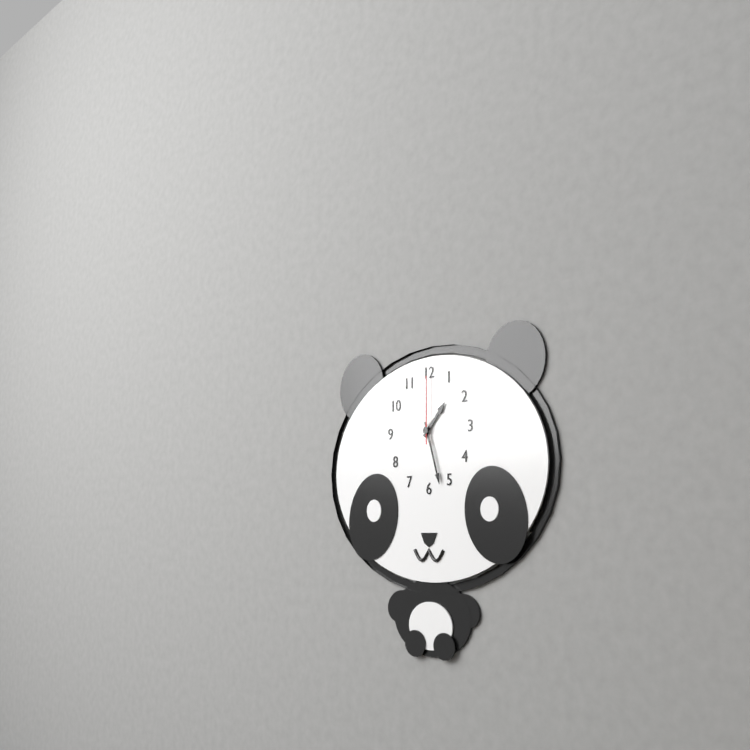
1h27m00s
